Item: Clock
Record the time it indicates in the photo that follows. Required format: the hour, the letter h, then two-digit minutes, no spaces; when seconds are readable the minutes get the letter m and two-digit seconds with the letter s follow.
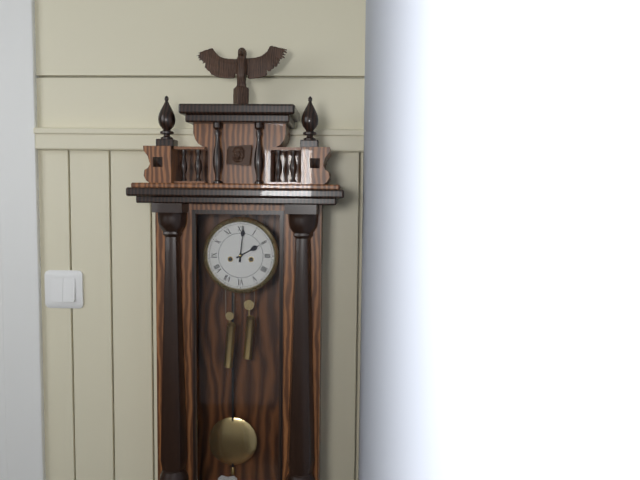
2h01
